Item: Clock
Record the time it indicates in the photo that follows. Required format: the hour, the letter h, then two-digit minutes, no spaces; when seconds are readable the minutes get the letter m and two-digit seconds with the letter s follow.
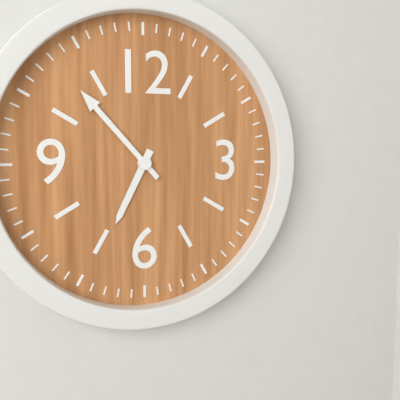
6h53
